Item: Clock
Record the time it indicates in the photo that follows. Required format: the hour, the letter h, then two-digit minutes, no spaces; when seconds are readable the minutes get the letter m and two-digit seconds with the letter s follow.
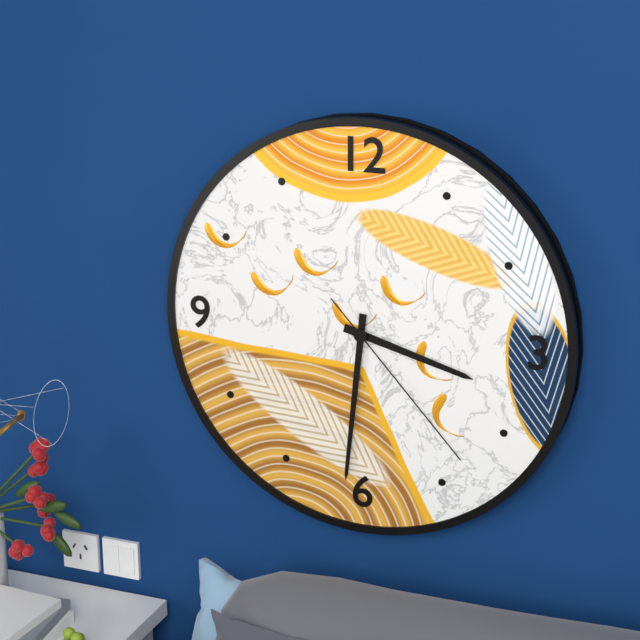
3h31m23s
